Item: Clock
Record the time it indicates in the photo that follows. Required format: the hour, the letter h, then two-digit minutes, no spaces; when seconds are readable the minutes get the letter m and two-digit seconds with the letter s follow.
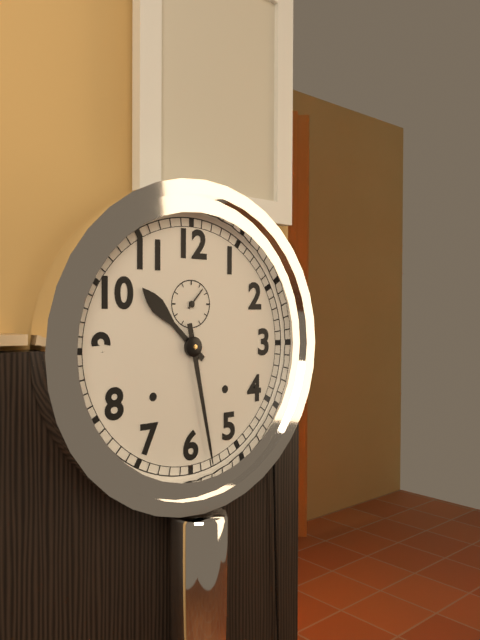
10h28
